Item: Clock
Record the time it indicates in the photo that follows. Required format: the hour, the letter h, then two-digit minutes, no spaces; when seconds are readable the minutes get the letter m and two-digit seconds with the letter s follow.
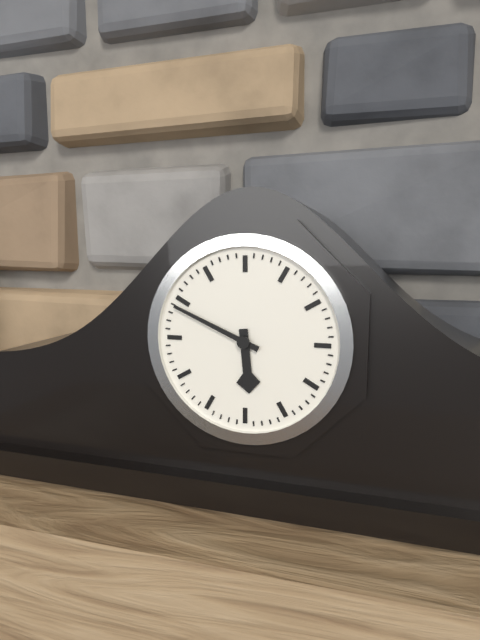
5h49
